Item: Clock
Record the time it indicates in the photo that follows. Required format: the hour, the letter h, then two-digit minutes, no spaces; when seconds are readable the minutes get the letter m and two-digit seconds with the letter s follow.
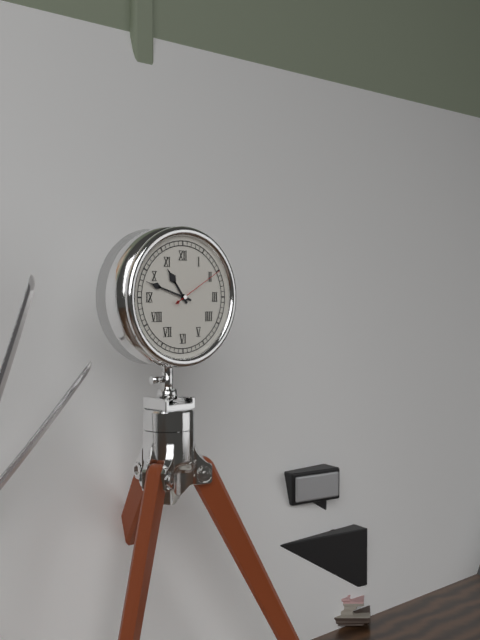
10h48m10s
